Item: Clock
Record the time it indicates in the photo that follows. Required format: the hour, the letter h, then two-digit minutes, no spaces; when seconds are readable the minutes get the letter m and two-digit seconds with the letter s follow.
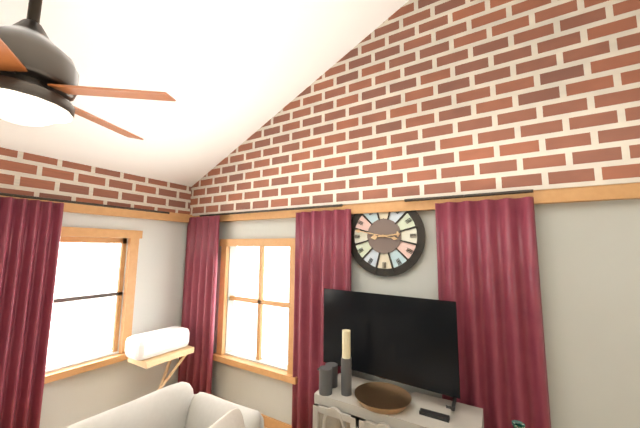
2h47
